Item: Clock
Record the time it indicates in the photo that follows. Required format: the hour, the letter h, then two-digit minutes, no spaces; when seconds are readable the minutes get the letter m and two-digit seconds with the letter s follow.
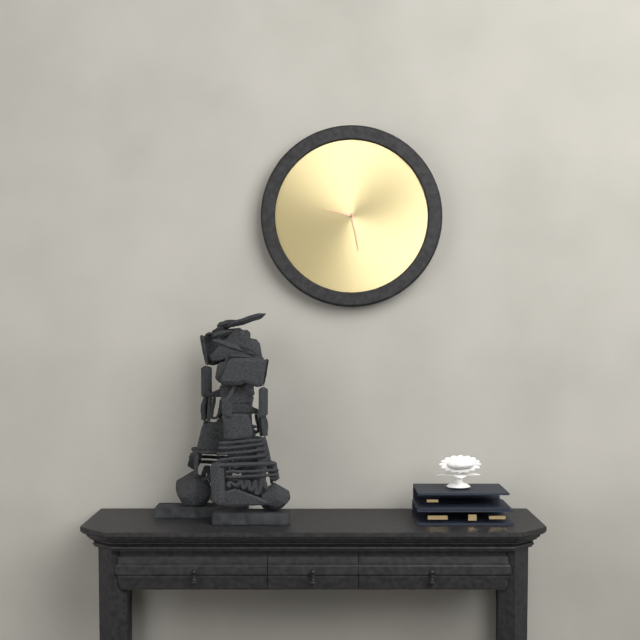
9h28
